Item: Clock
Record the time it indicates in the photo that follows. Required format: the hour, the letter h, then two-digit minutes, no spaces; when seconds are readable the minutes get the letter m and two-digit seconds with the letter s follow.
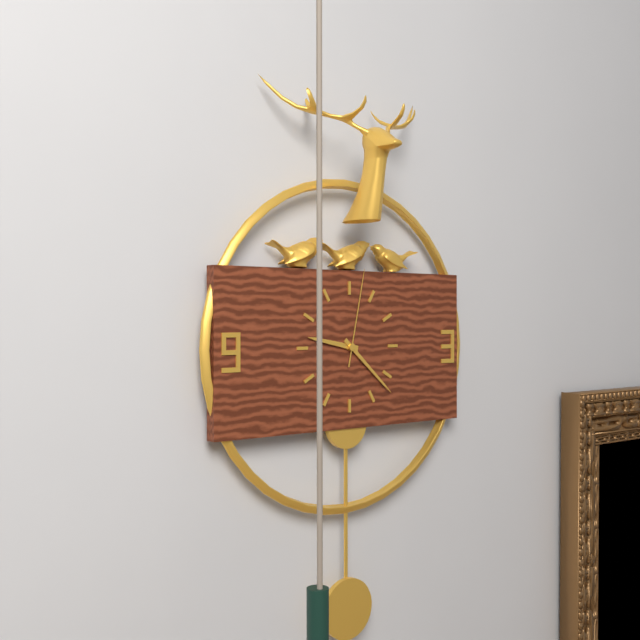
9h22m02s
